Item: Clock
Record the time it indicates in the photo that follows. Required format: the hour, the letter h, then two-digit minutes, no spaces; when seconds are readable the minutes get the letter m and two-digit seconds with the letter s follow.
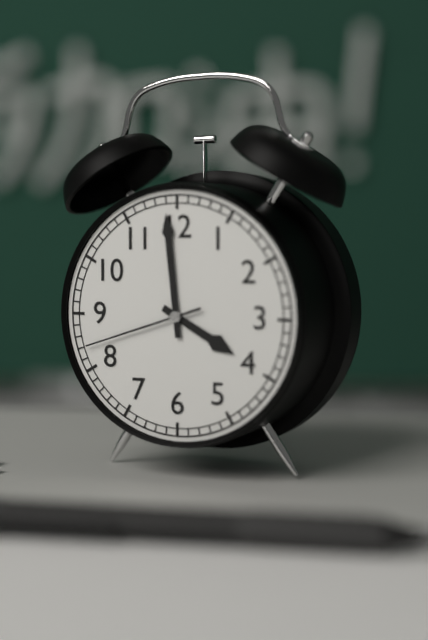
3h59m42s
